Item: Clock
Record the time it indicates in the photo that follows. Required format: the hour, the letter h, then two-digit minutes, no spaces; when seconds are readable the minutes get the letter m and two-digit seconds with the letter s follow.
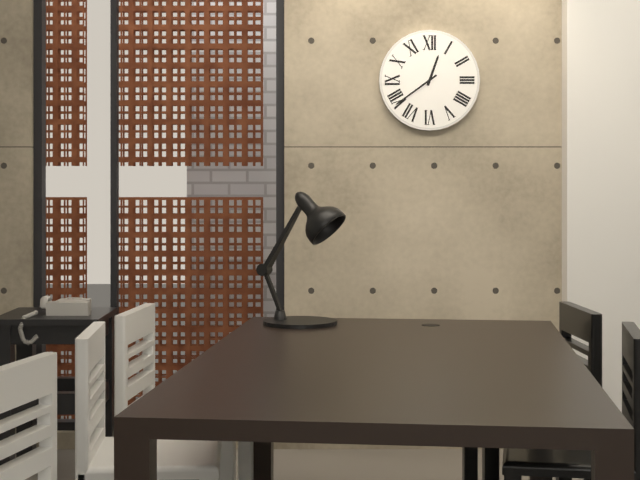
12h39
